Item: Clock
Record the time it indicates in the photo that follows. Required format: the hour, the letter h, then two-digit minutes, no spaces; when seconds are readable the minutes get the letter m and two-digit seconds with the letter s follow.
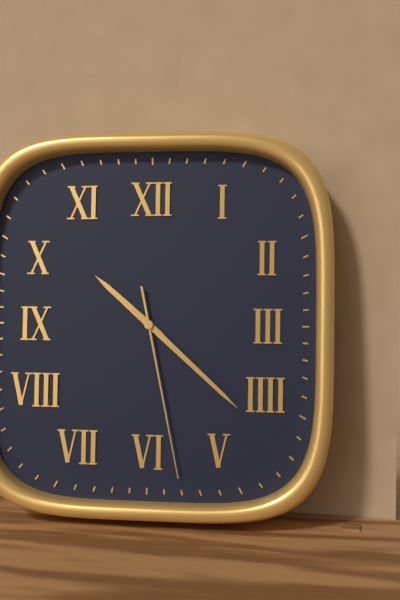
10h22m28s
